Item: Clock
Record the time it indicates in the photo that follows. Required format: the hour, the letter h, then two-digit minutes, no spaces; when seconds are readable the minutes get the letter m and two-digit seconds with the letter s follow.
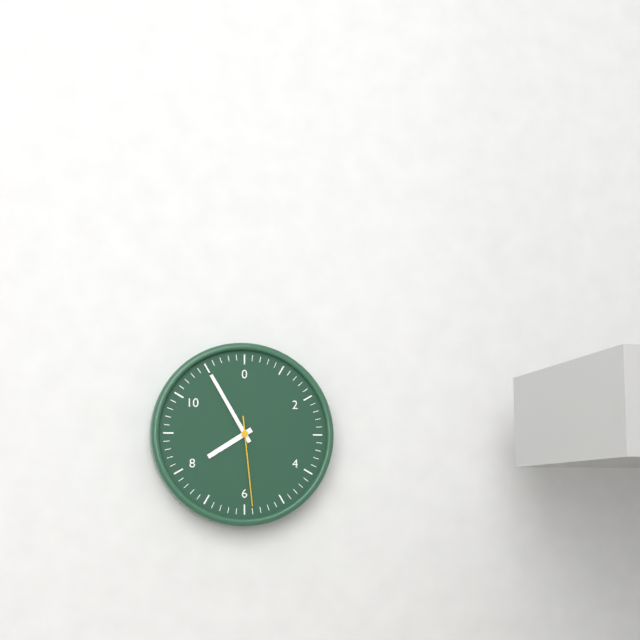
7h55m29s
